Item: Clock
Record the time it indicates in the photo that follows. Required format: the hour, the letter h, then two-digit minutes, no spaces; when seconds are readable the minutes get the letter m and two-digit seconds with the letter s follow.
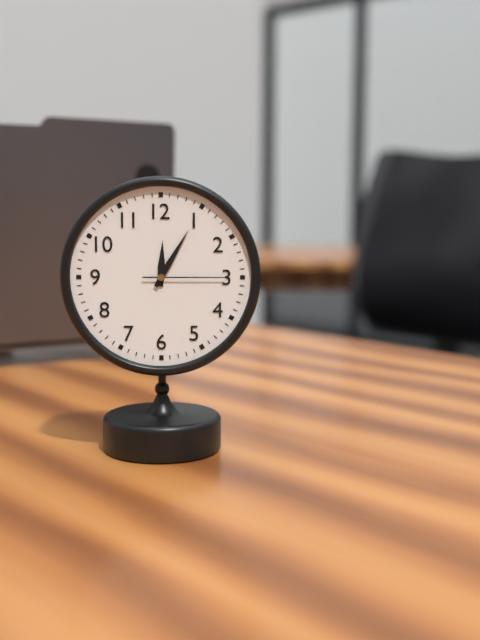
12h05m15s
